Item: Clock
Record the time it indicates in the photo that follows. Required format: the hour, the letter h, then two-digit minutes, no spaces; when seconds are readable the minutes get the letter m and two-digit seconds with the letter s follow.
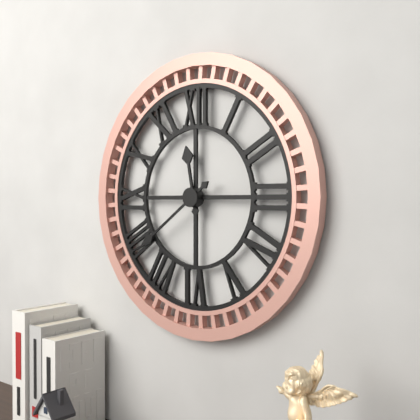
11h39
